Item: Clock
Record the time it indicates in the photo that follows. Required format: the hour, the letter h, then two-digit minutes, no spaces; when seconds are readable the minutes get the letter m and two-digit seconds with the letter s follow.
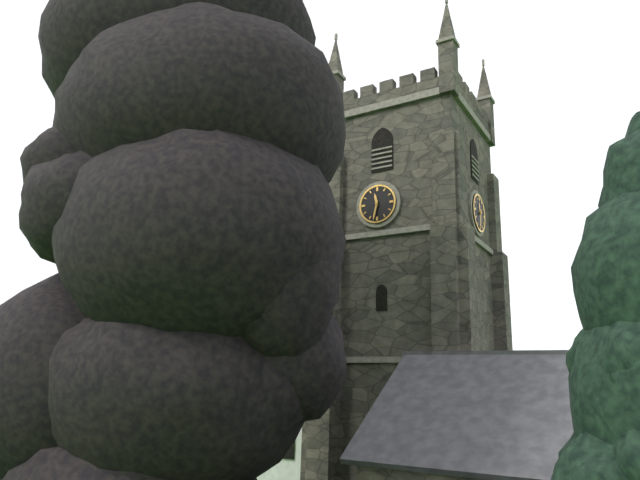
11h32
